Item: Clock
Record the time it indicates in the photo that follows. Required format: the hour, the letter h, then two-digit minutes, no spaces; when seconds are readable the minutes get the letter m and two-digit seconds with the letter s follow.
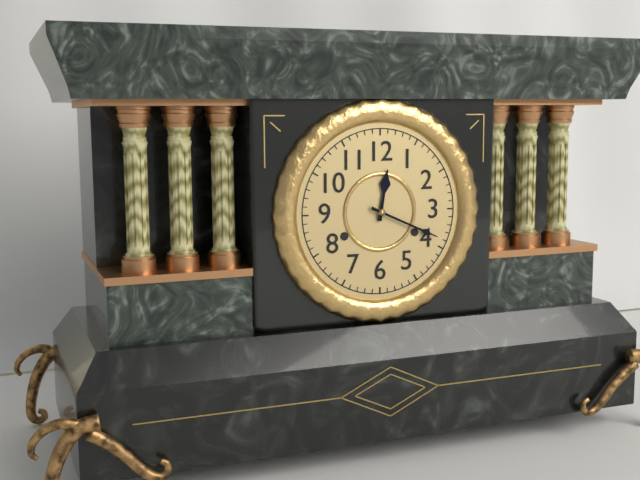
12h19
